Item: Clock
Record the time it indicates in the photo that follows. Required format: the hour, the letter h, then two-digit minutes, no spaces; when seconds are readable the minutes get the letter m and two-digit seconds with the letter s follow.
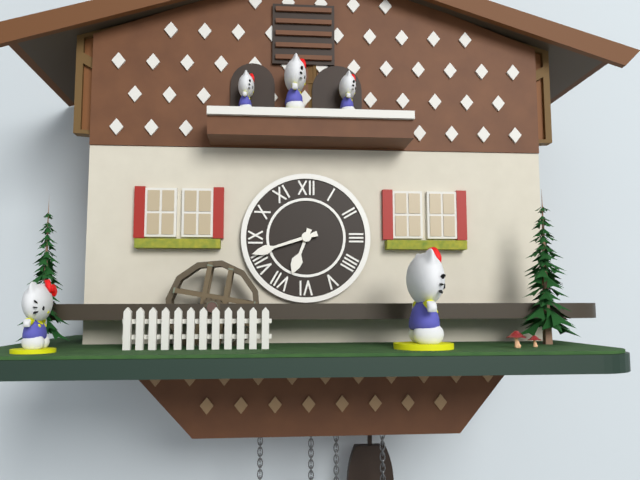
6h42
